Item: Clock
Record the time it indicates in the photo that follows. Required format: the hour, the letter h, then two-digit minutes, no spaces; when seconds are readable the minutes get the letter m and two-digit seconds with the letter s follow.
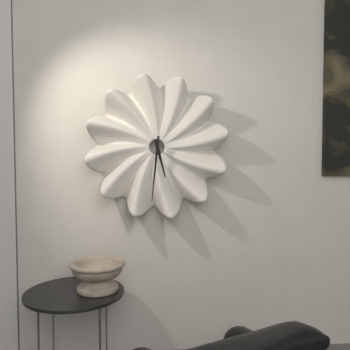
5h31
